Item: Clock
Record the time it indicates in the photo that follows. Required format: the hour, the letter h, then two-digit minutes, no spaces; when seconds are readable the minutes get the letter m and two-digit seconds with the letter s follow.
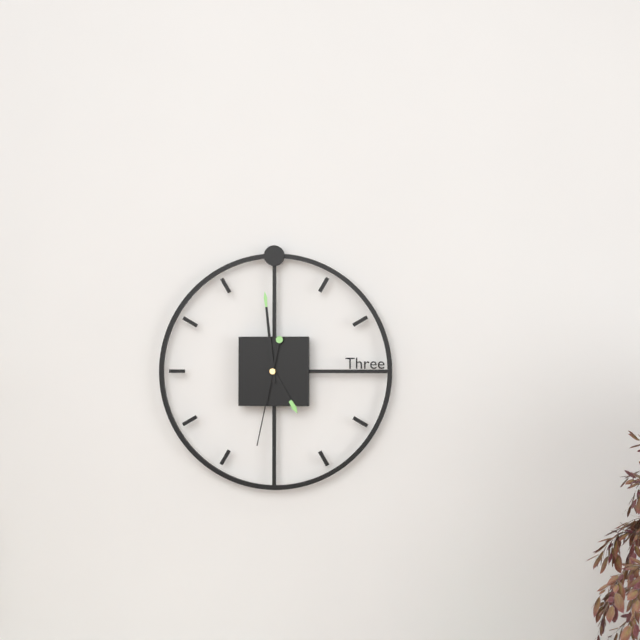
4h59m32s
